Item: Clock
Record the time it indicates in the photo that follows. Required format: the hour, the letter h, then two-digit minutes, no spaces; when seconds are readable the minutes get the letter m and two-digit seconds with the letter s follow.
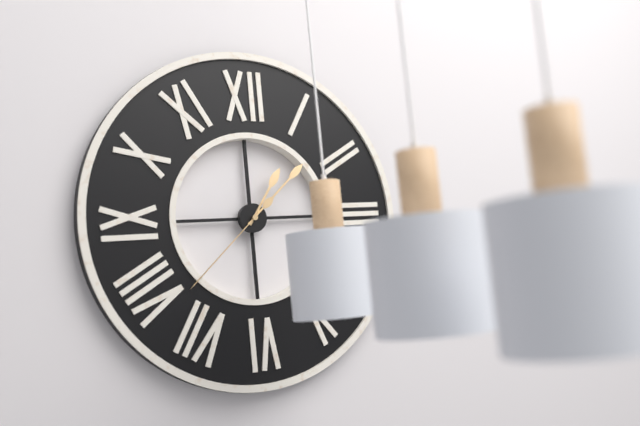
1h08m38s
